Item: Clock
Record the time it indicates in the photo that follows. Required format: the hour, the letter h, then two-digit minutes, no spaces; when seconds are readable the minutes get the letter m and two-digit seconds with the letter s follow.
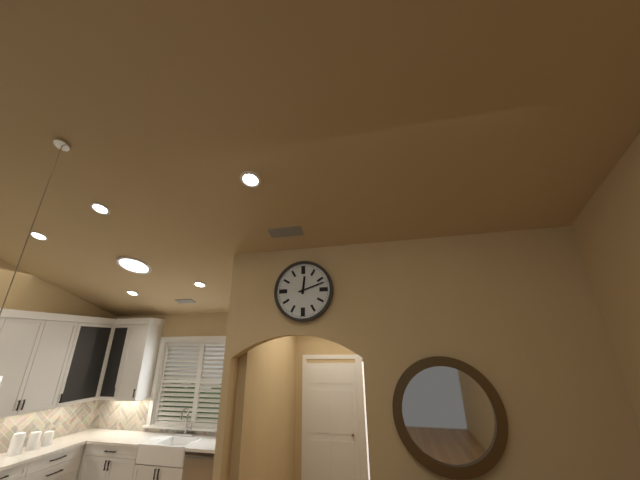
12h12
